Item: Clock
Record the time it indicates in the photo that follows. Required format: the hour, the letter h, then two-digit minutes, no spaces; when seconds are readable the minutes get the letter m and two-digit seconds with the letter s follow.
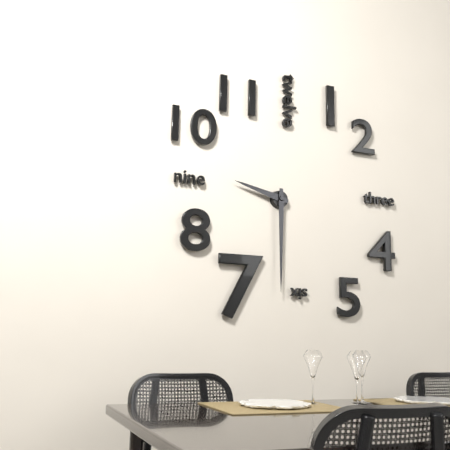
9h30
